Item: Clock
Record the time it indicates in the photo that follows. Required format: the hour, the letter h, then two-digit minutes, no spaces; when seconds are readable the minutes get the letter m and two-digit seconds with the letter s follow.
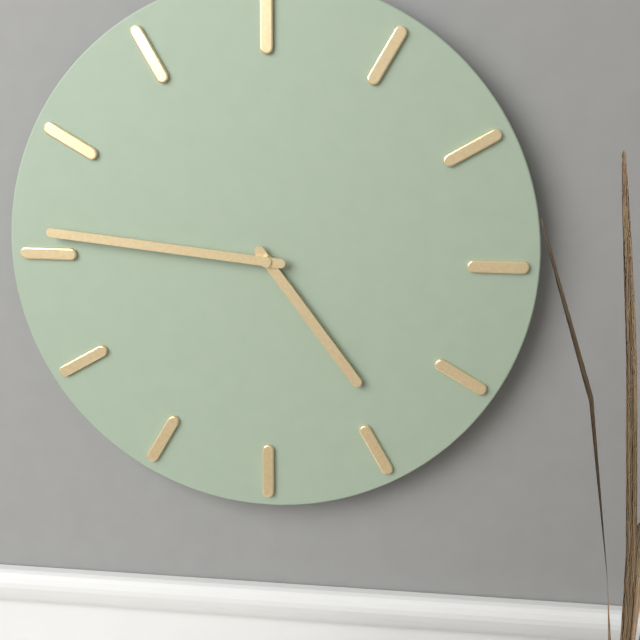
4h46
